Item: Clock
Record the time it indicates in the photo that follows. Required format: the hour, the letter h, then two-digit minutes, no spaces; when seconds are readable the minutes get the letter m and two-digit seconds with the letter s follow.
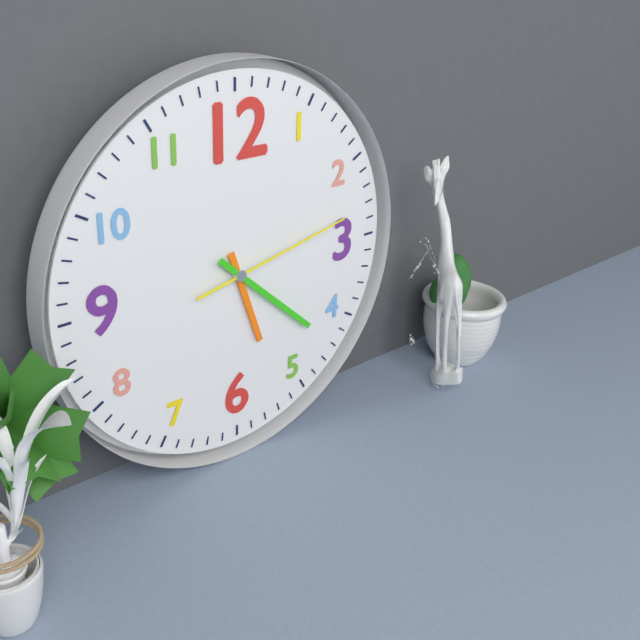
5h22m13s
